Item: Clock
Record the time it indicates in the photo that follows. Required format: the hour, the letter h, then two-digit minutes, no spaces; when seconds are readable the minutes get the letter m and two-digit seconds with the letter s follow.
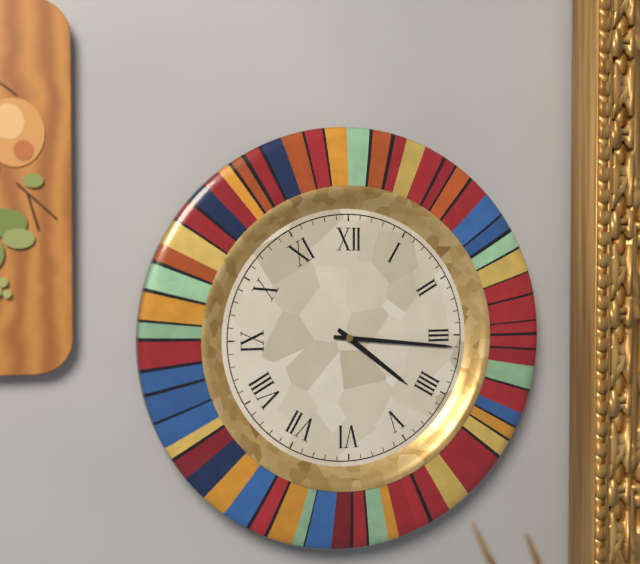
4h16
